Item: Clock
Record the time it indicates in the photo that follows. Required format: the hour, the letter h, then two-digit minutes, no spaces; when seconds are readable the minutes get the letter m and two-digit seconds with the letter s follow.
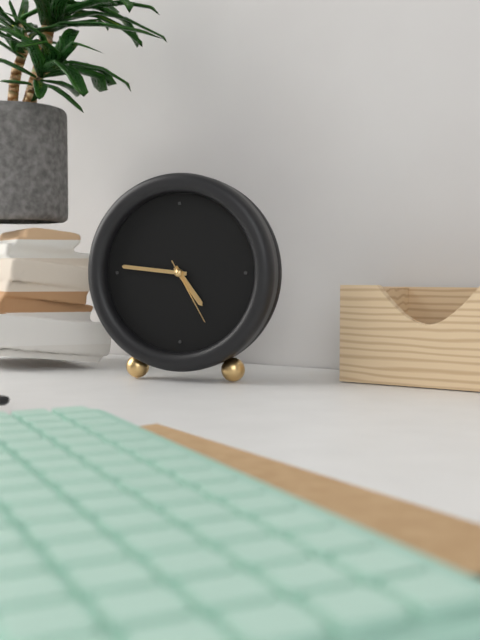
4h46m25s
